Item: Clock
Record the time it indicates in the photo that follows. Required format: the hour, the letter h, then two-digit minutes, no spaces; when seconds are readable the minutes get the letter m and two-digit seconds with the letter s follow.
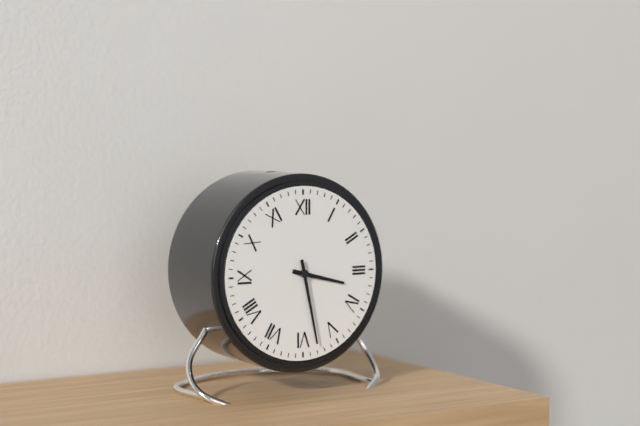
3h28
